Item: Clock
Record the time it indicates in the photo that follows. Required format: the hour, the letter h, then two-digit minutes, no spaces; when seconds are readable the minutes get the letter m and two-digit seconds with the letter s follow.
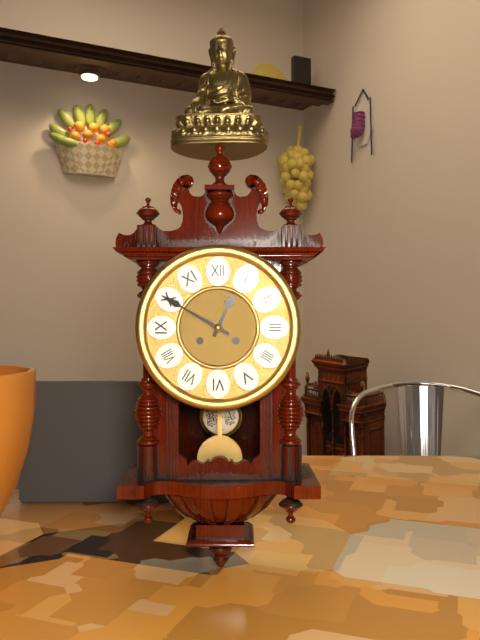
12h50
